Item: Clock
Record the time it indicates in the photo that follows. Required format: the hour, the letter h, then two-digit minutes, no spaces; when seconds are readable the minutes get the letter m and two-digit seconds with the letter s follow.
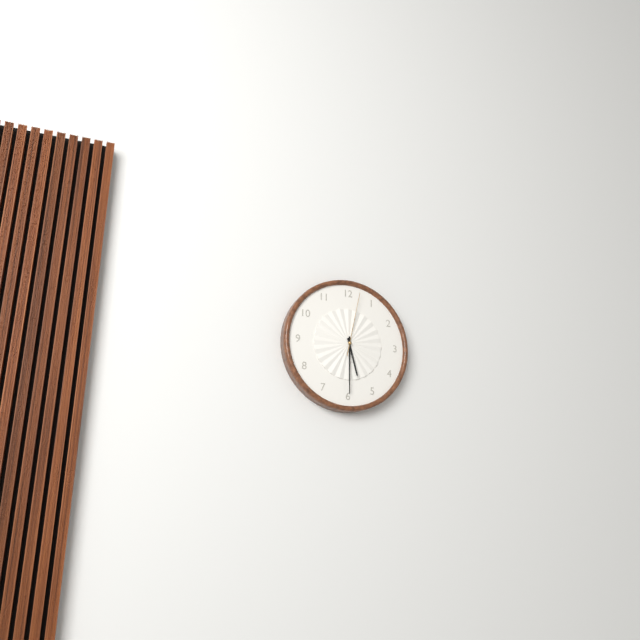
5h30m02s
